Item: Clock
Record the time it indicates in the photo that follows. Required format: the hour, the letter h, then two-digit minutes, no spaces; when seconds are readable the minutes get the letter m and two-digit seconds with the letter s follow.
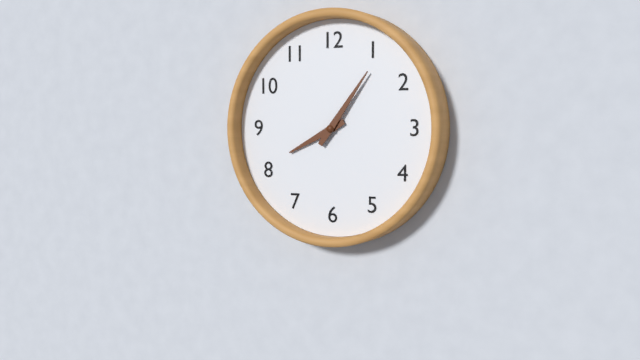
8h06
